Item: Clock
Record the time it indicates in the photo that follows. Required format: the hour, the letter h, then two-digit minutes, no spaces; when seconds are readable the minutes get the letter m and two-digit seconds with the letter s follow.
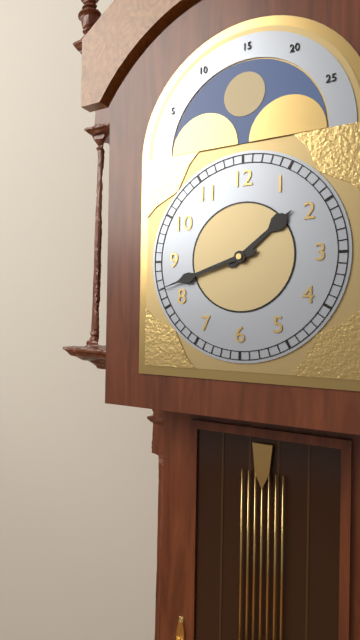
1h42
